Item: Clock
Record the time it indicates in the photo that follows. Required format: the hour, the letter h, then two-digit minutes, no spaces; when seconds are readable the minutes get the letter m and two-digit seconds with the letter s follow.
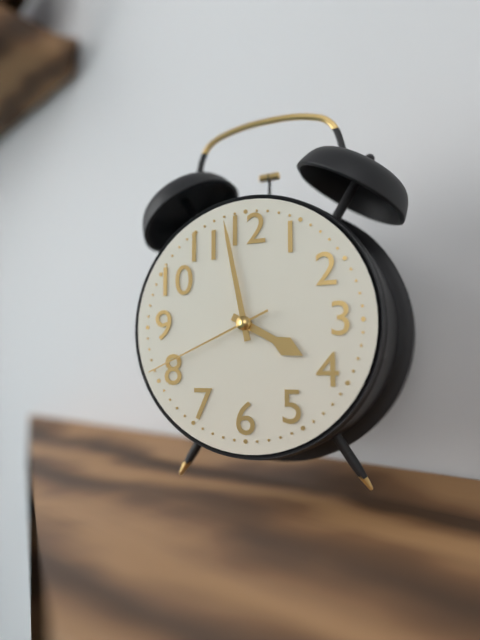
3h58m41s
